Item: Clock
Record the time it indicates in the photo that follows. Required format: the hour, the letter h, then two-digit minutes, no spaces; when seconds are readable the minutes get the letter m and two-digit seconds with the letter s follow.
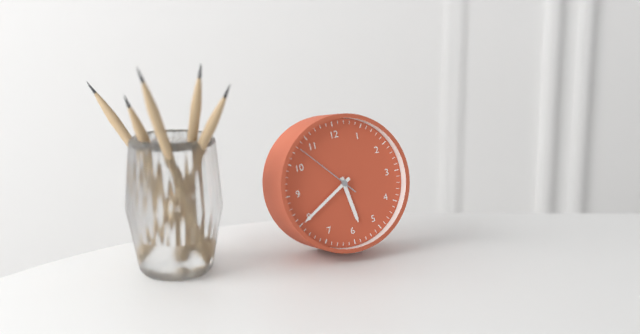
5h40m53s
